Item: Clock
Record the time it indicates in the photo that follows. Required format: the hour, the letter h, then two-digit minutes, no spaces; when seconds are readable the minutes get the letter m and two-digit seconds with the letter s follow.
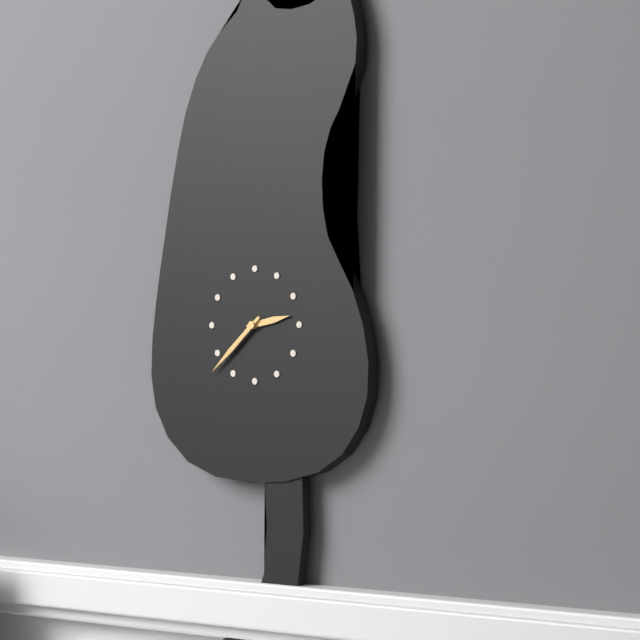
2h38
